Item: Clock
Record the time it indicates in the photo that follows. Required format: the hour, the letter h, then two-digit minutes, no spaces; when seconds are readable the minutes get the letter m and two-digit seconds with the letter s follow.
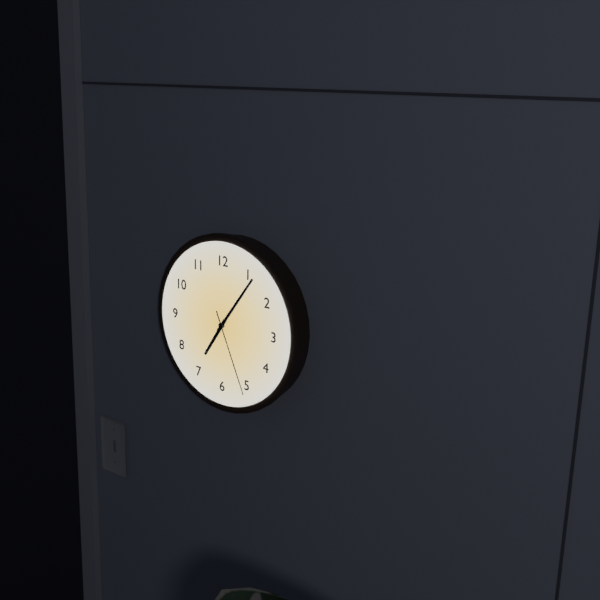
7h06m26s
